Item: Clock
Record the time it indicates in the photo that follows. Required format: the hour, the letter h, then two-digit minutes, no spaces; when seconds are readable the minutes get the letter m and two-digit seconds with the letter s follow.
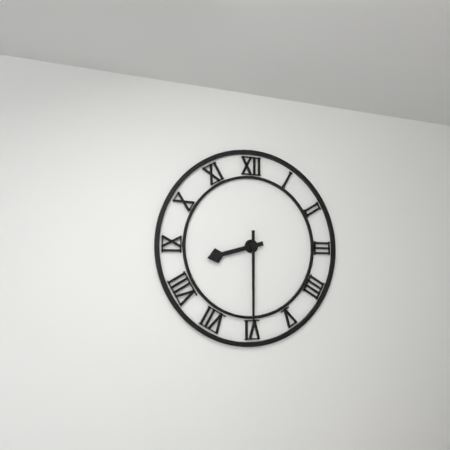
8h30
